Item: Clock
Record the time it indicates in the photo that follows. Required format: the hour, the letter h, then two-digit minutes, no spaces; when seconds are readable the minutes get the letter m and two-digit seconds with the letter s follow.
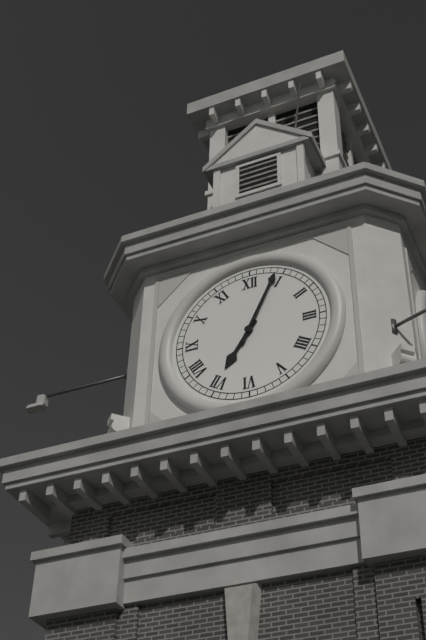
7h04
